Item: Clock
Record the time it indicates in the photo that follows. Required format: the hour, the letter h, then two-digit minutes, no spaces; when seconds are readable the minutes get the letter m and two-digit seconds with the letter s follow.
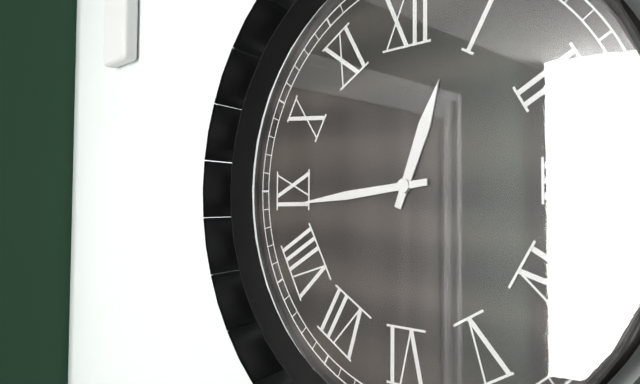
12h44
